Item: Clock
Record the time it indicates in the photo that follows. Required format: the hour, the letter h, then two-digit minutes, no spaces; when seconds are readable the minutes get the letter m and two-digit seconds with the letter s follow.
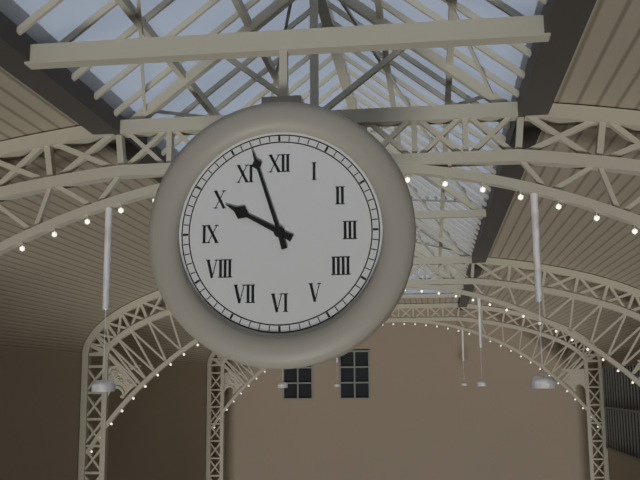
9h57
